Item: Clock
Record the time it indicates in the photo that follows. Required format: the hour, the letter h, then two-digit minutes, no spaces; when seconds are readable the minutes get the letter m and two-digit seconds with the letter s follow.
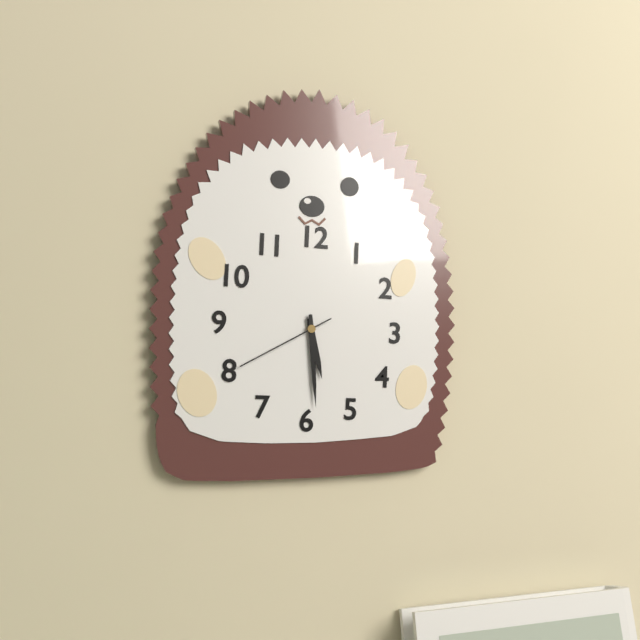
5h29m40s
